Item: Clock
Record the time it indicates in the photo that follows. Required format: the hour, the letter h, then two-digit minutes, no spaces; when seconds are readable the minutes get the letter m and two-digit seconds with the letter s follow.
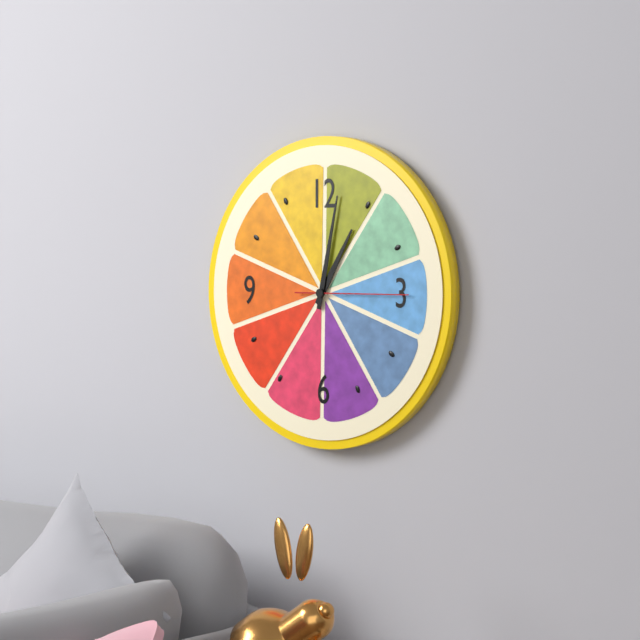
1h02m15s
